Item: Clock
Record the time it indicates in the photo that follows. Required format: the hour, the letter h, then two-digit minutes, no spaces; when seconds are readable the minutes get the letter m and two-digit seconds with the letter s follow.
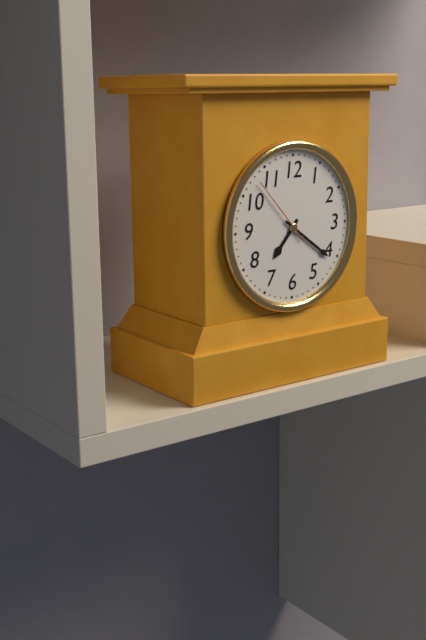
7h21m53s
